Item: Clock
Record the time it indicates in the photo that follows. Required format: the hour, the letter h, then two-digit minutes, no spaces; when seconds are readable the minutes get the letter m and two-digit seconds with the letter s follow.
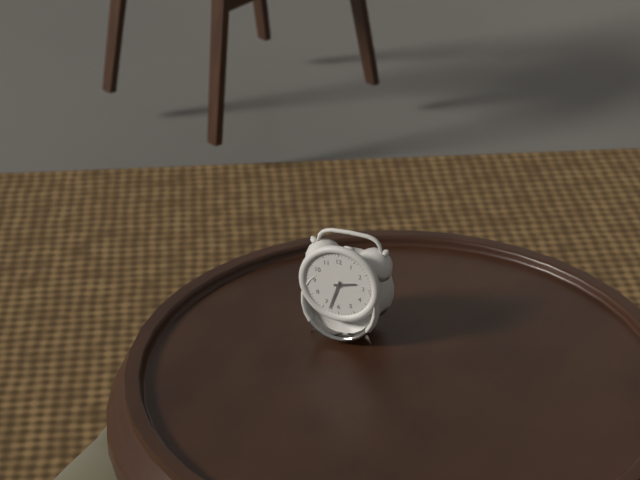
2h33
